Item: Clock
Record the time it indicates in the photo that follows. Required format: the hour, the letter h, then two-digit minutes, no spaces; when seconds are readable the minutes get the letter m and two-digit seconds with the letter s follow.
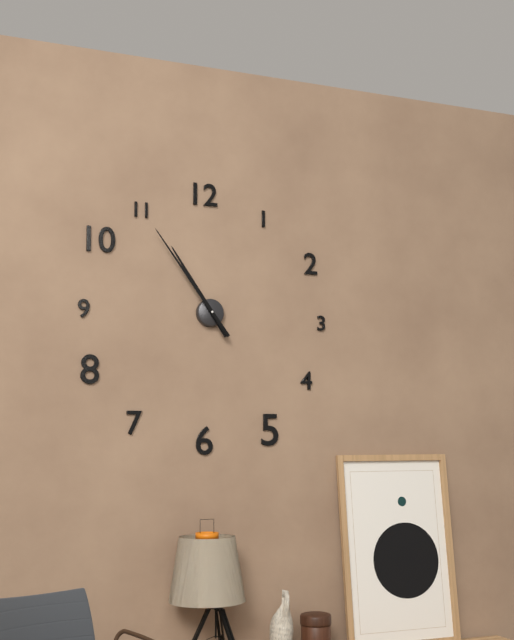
10h54
